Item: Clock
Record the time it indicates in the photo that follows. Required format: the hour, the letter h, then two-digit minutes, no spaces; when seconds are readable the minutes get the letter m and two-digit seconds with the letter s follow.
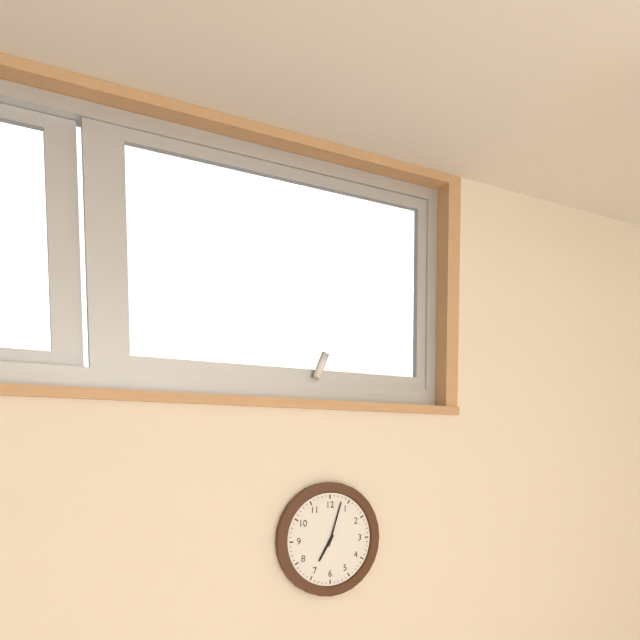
7h03
